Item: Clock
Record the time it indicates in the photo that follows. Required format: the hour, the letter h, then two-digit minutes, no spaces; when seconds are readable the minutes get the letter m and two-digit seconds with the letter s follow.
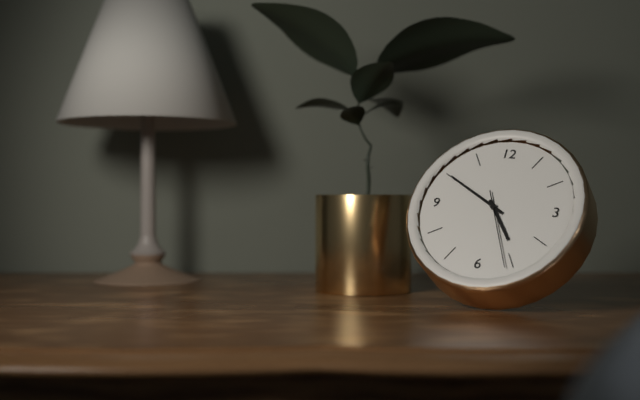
4h50m26s
